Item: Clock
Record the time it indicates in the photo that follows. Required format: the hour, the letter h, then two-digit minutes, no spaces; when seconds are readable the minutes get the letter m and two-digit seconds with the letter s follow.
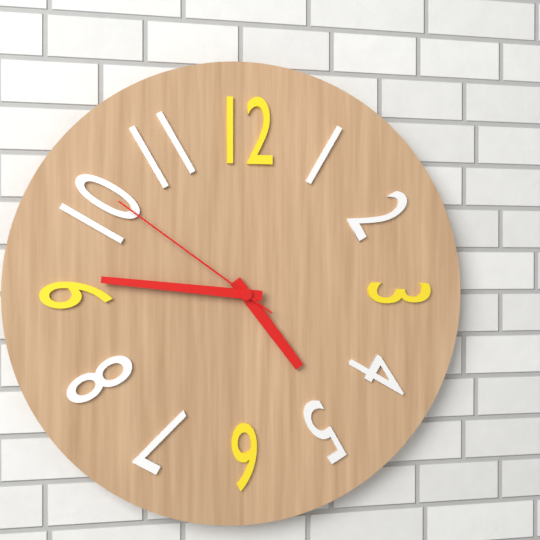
4h46m51s
